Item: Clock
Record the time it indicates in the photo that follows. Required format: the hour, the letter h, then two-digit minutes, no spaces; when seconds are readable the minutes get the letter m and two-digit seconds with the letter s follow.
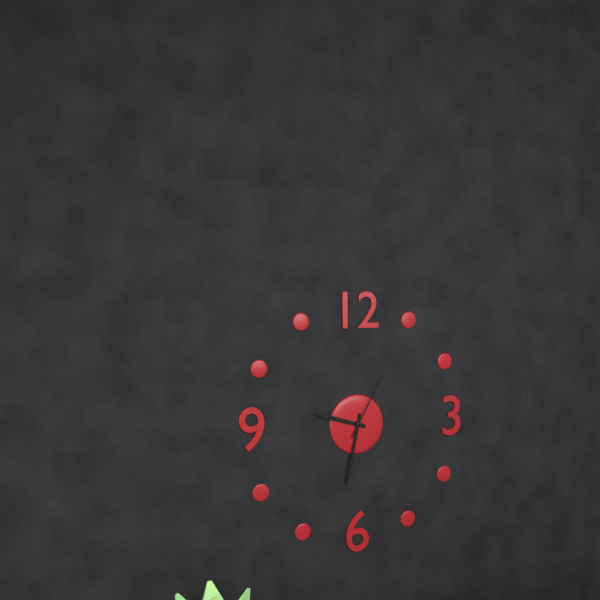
9h32m05s
